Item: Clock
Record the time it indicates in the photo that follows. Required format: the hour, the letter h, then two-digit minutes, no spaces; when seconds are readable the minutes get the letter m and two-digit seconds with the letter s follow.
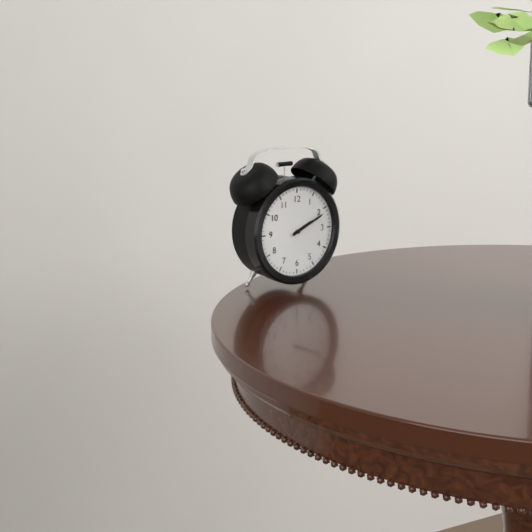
2h11
